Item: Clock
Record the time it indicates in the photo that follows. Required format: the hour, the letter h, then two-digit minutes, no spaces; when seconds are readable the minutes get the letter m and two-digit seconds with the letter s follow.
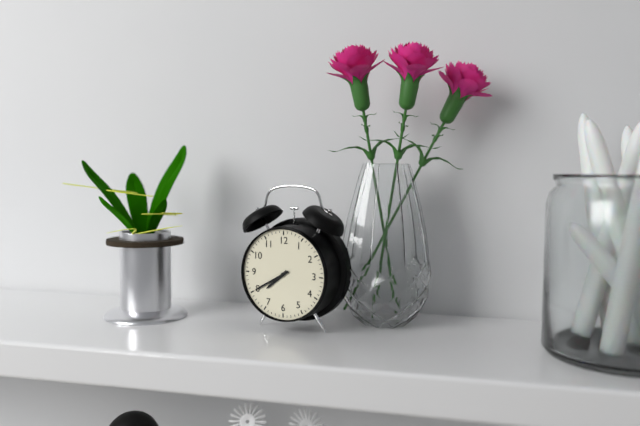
7h40
